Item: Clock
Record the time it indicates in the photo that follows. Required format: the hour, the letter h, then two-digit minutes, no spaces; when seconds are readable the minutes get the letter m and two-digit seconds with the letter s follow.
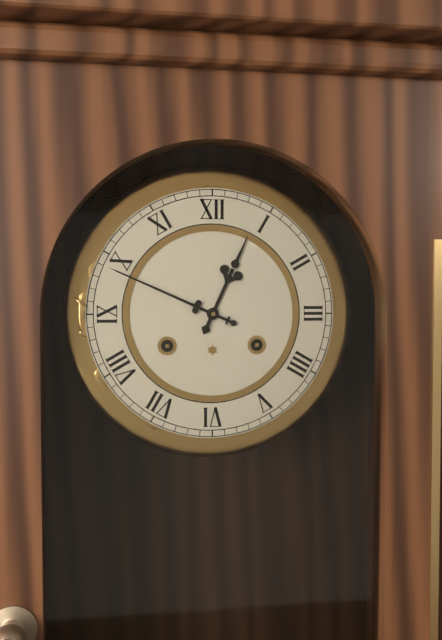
12h49
